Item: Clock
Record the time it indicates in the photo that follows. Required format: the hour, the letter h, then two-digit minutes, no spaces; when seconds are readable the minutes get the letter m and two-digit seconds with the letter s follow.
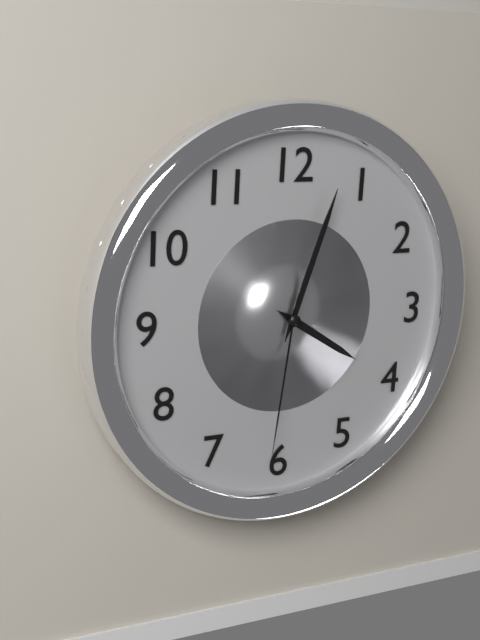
4h03m31s
